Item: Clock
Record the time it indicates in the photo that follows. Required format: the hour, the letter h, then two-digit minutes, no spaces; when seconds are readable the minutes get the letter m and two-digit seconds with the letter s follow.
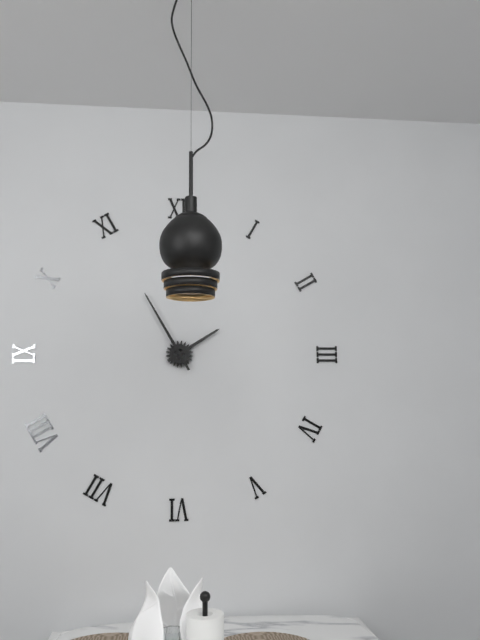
1h55
